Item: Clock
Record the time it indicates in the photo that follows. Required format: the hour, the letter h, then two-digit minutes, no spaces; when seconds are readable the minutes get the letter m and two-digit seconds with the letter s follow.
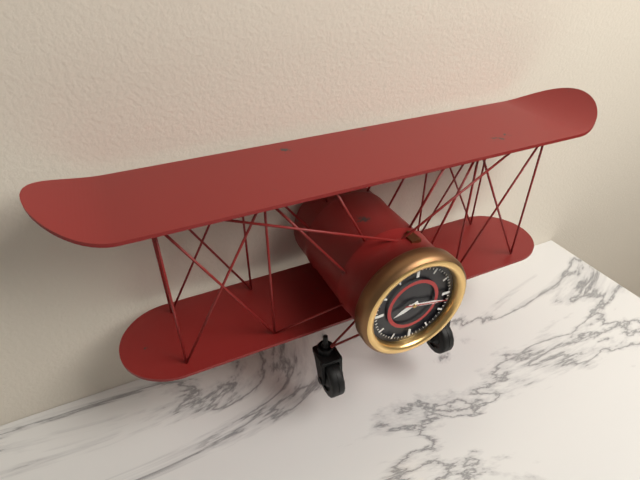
8h17
